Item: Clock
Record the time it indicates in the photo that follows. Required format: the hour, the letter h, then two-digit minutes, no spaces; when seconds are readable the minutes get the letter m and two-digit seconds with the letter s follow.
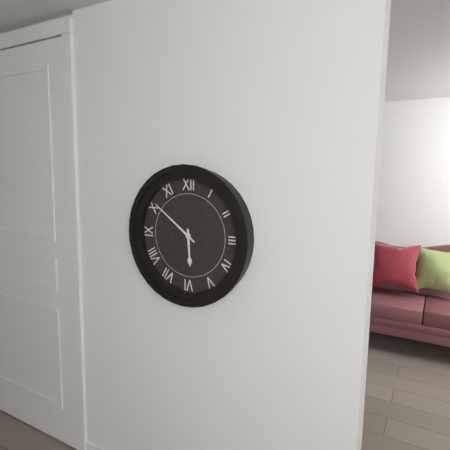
5h51
